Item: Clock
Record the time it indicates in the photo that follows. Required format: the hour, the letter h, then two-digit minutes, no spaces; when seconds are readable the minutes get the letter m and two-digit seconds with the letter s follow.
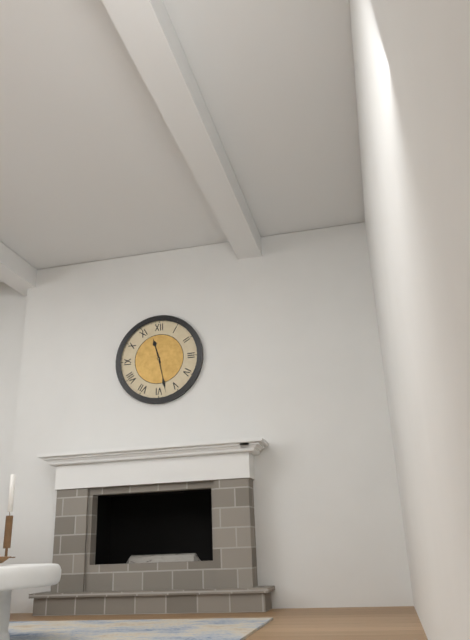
11h28
